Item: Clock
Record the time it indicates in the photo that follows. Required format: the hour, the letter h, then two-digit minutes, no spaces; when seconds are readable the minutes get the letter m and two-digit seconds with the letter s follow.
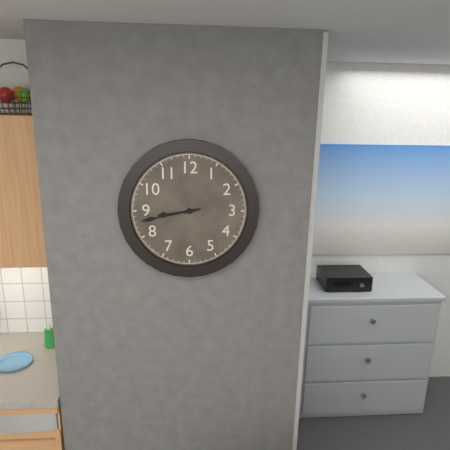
8h43
